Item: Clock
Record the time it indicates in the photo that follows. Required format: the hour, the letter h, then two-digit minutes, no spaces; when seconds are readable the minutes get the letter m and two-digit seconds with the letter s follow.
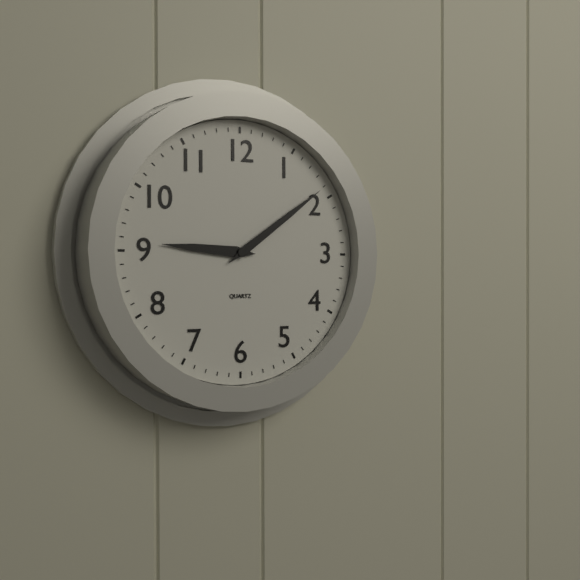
9h09
